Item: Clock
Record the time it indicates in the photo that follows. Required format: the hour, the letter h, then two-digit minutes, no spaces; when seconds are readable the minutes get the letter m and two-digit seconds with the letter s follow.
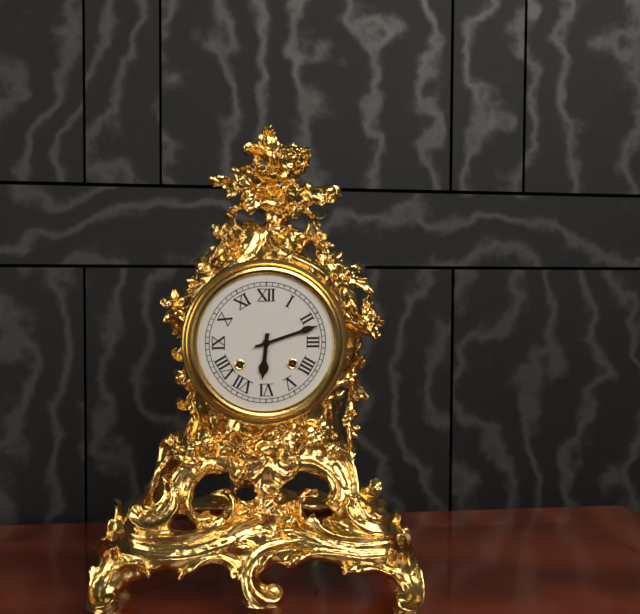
6h12
